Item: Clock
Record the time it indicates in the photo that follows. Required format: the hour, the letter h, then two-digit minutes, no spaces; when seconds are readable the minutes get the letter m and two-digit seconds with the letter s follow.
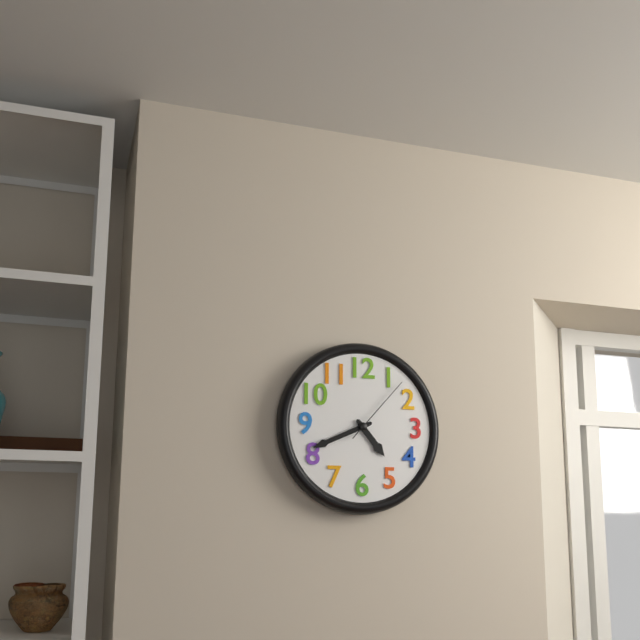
4h41m07s
